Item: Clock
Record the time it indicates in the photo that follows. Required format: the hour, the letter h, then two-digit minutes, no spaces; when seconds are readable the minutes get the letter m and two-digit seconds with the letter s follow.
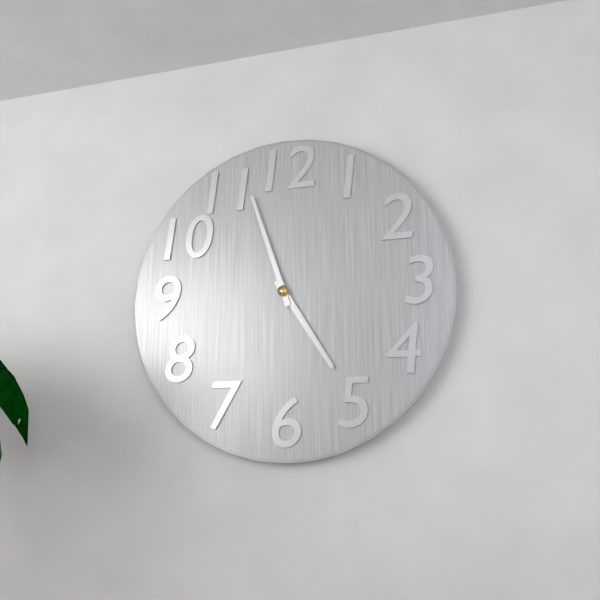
4h57
